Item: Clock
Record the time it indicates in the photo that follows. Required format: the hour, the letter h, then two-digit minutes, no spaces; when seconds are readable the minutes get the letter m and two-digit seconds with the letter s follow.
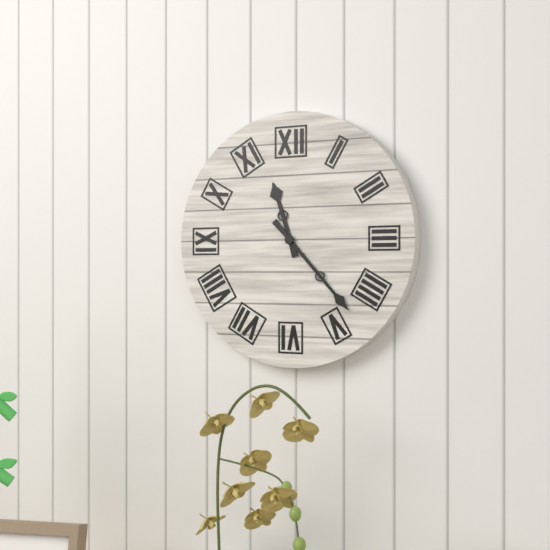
11h23
